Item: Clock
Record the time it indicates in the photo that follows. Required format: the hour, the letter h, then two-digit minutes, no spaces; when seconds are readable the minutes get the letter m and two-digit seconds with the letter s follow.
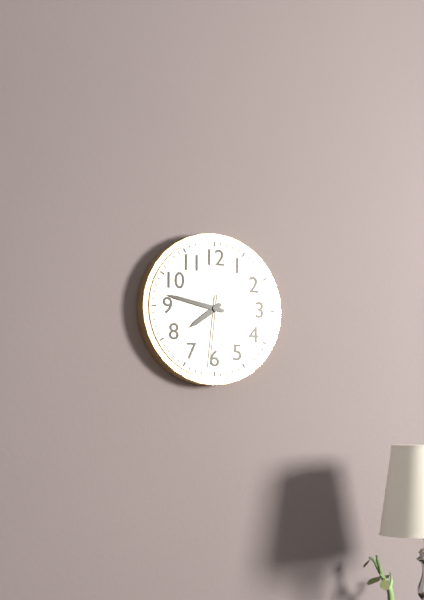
7h47m31s
